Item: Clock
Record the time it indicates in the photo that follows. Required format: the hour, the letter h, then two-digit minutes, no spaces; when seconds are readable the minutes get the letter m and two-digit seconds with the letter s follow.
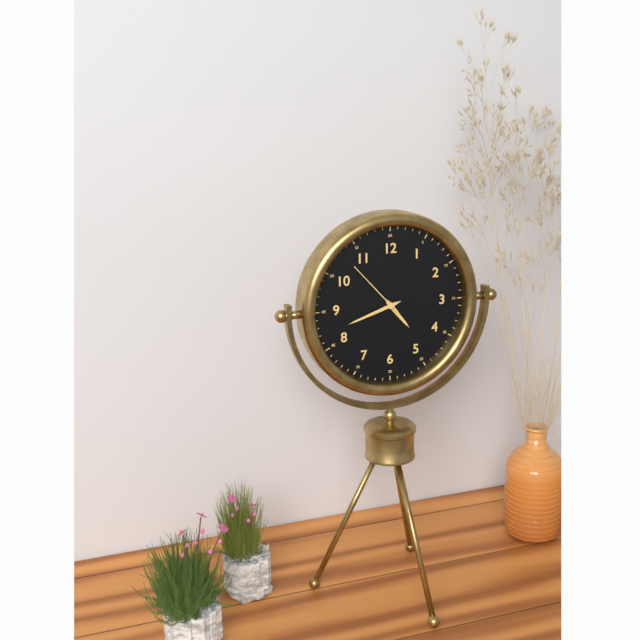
4h42m53s
